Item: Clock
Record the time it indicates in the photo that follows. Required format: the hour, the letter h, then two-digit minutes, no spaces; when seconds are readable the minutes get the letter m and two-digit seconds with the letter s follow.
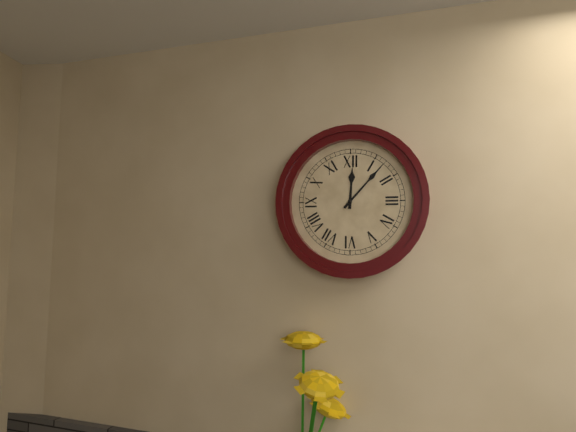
12h07
